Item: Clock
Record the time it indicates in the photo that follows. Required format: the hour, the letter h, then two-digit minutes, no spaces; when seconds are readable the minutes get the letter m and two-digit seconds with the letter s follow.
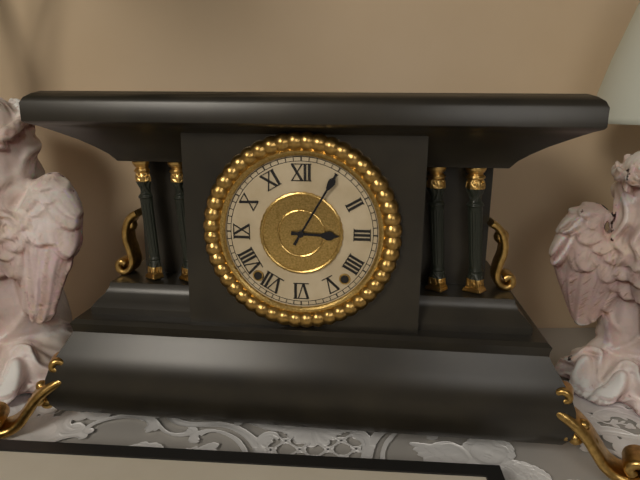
3h05
